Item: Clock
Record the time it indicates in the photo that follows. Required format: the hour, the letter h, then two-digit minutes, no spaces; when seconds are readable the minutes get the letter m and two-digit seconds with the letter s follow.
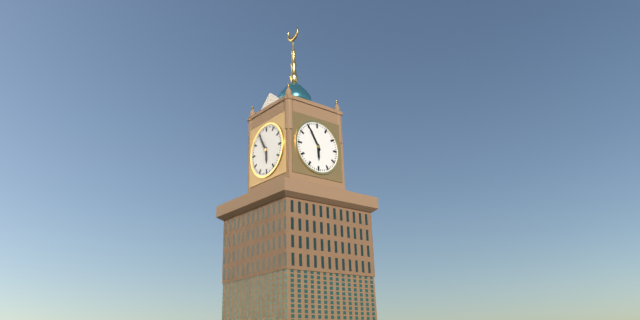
5h55
